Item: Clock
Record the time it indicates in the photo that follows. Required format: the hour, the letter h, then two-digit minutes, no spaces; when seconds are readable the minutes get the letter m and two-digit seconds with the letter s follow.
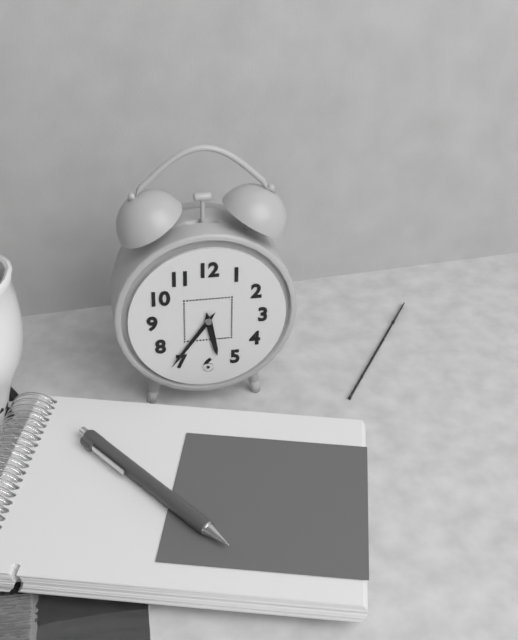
5h36
